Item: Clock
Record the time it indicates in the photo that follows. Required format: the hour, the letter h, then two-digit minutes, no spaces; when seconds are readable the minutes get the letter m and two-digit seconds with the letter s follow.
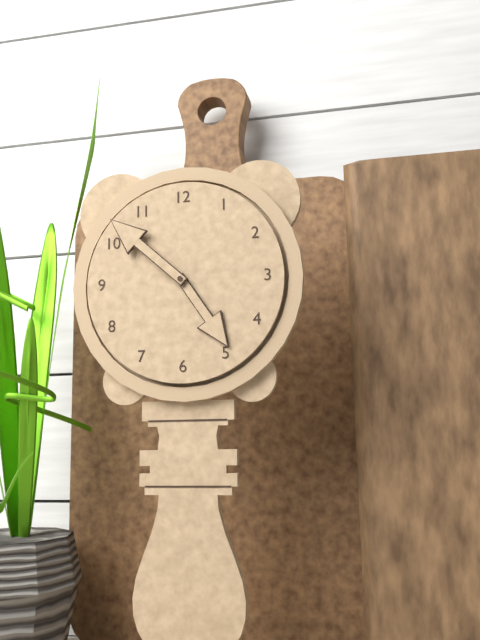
4h52
